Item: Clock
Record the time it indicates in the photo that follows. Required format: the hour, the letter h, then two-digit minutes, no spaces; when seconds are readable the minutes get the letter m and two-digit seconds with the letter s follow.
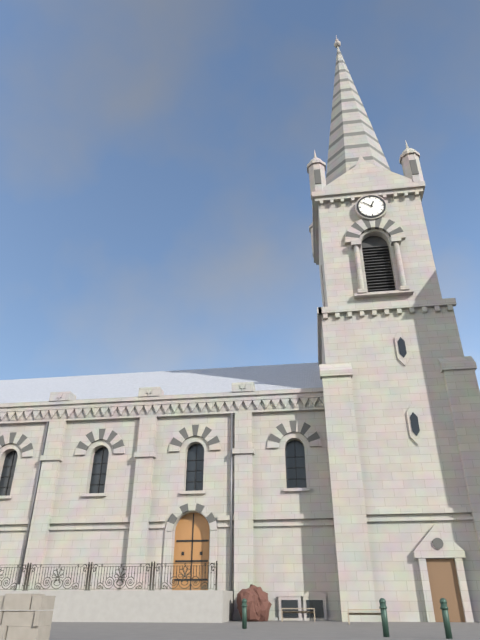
12h51
